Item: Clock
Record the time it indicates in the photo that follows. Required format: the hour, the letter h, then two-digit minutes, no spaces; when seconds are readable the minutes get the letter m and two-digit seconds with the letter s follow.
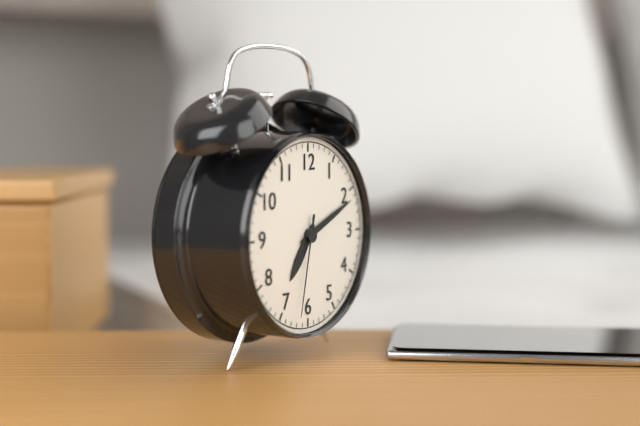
7h11m32s
